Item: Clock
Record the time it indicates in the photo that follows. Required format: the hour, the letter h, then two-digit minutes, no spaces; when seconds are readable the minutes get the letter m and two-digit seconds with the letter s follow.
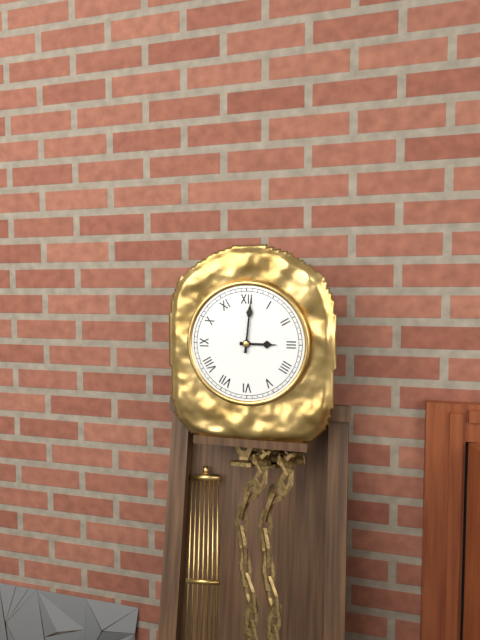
3h01
